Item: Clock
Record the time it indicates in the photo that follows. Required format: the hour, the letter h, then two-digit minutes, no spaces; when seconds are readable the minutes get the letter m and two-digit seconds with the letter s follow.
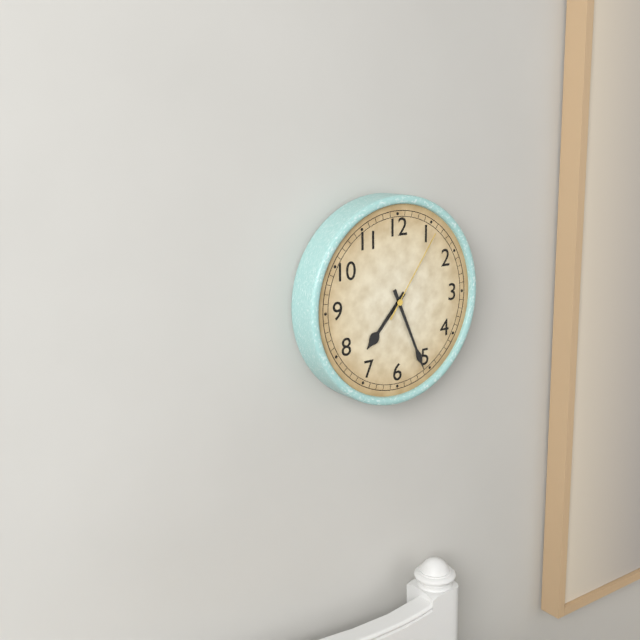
7h26m06s
